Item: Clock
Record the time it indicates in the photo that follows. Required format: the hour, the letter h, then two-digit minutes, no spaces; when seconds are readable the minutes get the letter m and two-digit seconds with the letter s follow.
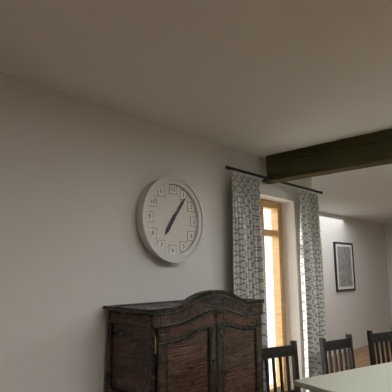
7h06
